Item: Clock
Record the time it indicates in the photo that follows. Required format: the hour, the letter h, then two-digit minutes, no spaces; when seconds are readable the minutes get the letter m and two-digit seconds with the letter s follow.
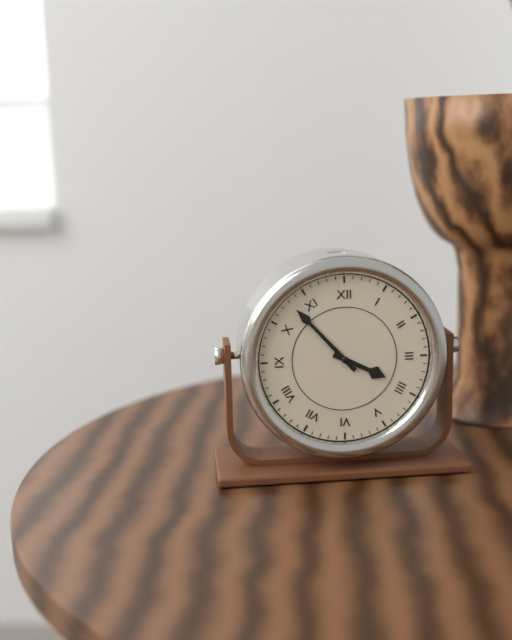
3h53
